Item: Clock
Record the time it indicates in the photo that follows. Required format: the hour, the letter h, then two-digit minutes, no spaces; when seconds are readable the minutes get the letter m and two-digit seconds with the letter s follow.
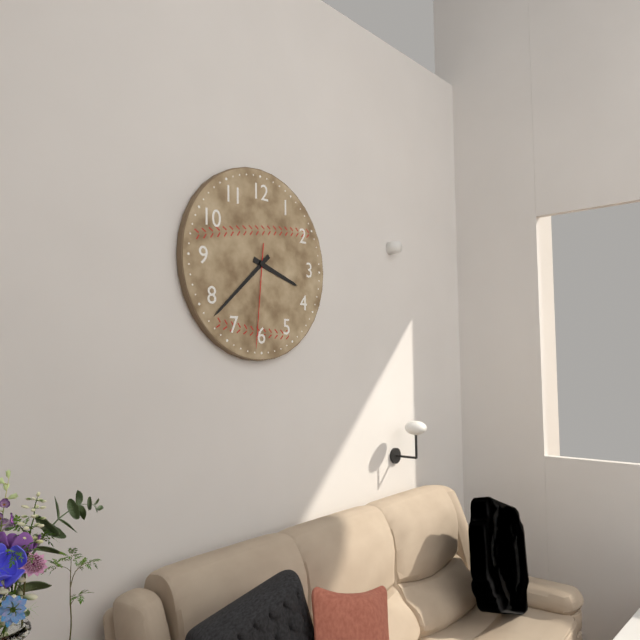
3h38m31s
